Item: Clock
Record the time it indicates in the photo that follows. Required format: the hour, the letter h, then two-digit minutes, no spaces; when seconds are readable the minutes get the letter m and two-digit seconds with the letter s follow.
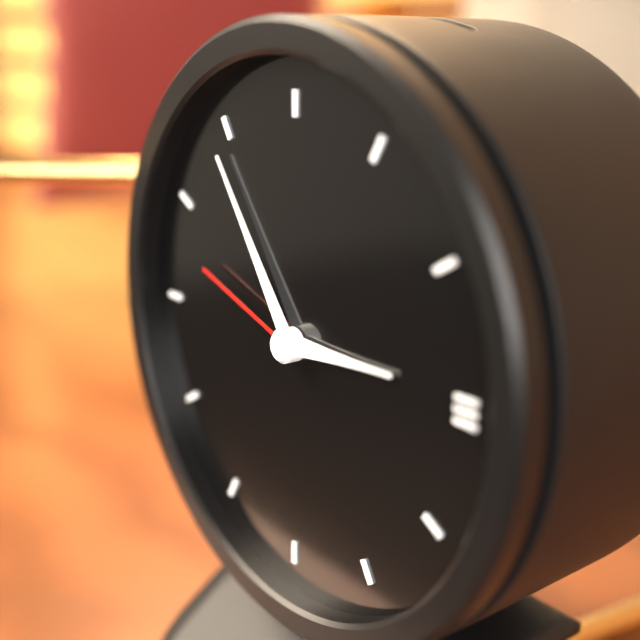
2h54m48s
